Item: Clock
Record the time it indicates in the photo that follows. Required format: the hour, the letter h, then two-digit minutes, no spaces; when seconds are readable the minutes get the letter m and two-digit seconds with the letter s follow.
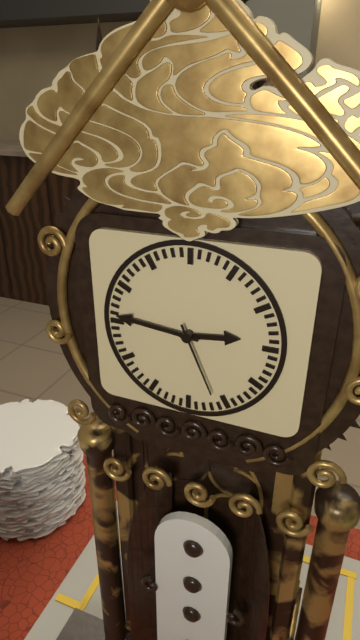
2h46m26s
